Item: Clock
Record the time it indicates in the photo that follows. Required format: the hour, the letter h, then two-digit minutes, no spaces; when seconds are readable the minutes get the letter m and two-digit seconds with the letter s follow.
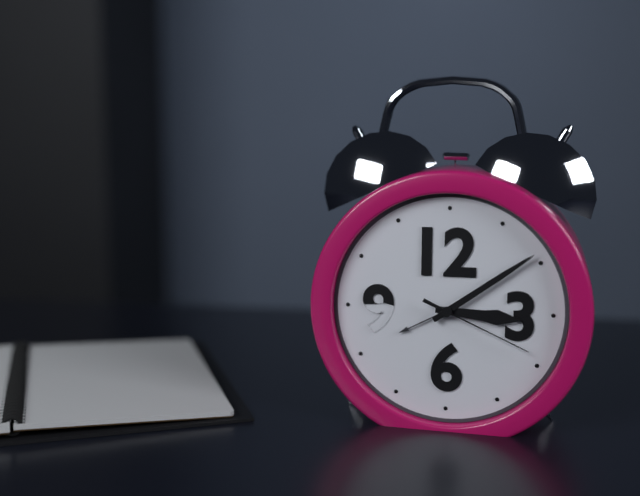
3h09m19s
